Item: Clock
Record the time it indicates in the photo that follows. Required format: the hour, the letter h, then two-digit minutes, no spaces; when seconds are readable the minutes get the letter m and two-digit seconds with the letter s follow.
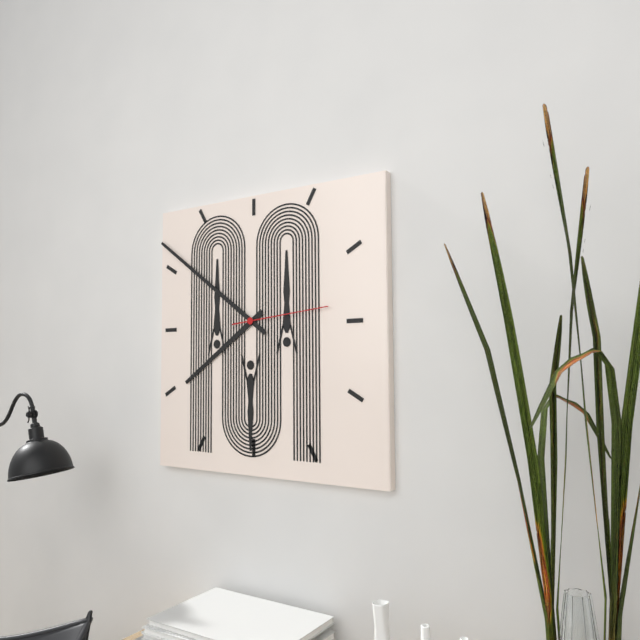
7h51m14s
